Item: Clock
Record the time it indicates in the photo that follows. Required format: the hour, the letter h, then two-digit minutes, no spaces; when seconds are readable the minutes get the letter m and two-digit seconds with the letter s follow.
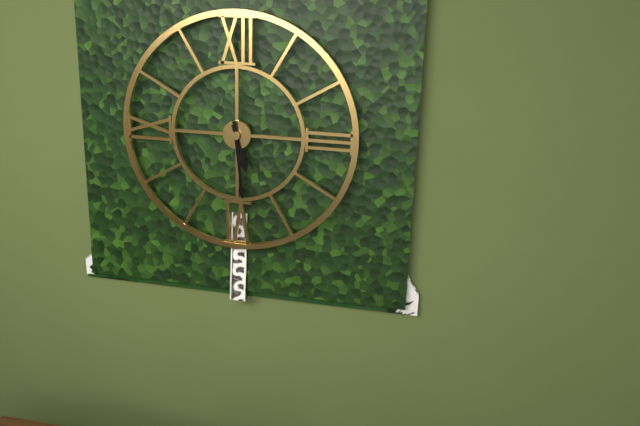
5h29
